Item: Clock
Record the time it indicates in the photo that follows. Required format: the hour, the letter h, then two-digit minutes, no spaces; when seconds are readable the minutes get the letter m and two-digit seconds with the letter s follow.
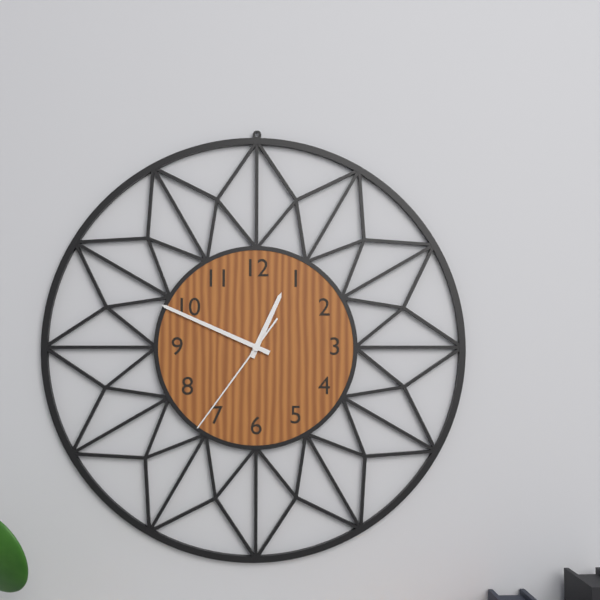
12h49m36s
